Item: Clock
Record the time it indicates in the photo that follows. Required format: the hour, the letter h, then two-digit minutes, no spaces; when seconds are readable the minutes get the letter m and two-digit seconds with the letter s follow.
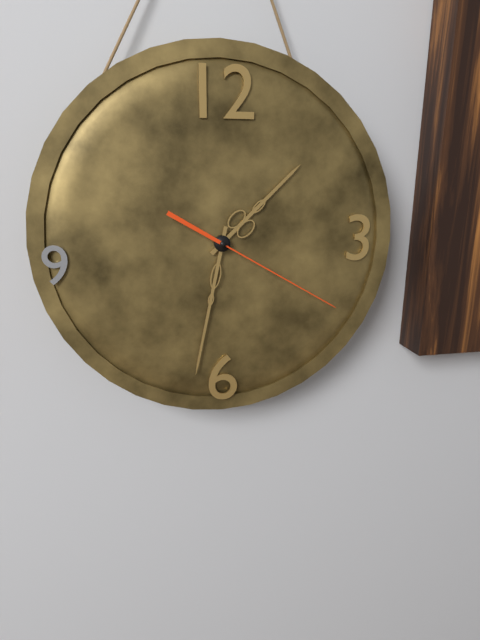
1h32m20s
